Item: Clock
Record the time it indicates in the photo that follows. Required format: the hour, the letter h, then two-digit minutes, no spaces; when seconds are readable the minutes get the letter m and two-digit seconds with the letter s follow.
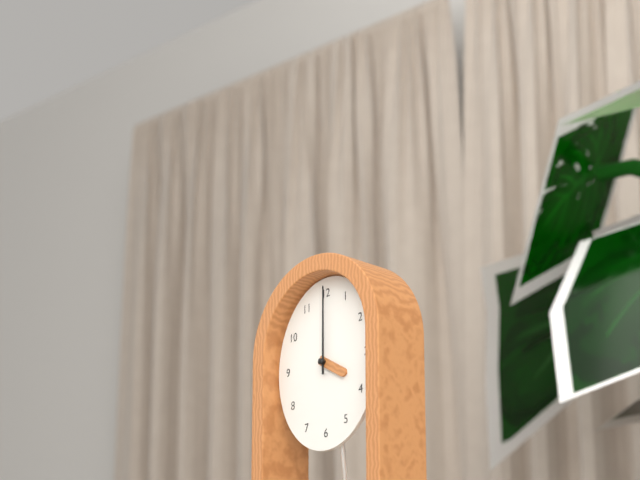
4h00
